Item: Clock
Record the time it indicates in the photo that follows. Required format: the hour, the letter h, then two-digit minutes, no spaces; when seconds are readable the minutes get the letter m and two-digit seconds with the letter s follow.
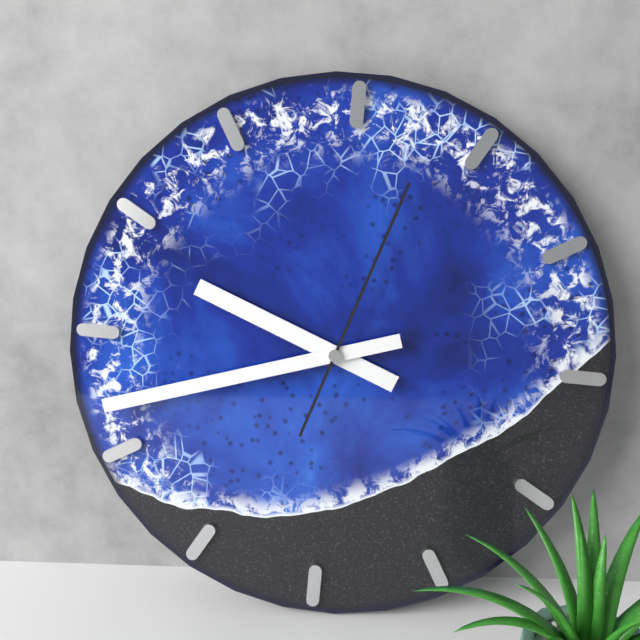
9h42m03s
